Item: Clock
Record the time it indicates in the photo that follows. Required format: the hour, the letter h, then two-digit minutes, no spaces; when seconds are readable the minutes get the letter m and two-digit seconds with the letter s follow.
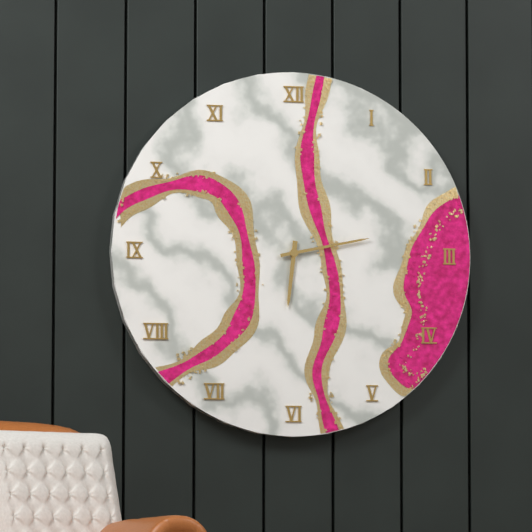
6h13
